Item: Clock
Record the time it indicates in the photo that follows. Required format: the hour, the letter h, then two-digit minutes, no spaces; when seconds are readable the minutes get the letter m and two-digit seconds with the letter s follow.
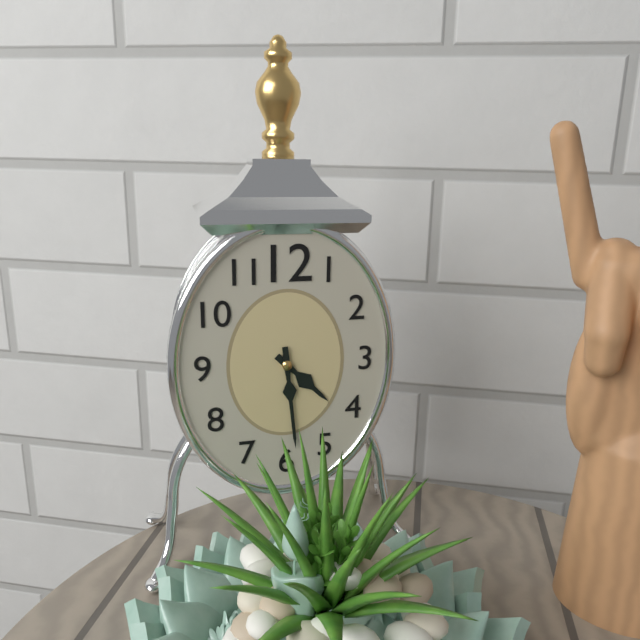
4h29
